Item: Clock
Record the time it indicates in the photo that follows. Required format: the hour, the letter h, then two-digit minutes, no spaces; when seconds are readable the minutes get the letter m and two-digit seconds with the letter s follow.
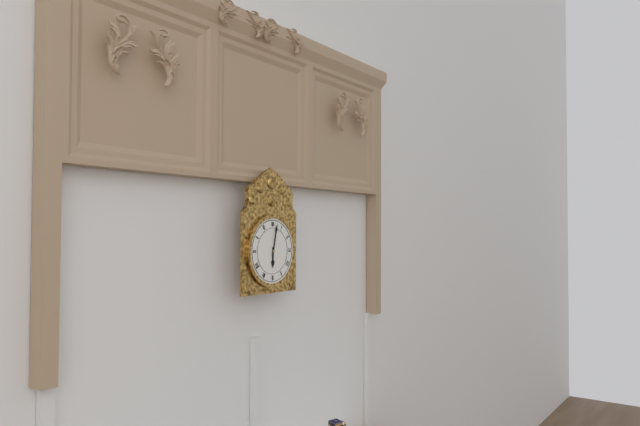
6h02
